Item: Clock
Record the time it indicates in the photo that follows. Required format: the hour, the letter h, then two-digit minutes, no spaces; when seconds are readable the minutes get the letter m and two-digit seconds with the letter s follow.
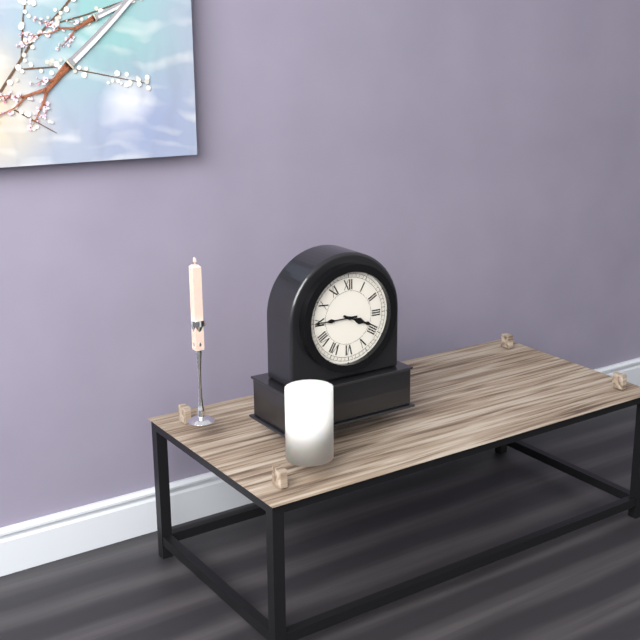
3h45
